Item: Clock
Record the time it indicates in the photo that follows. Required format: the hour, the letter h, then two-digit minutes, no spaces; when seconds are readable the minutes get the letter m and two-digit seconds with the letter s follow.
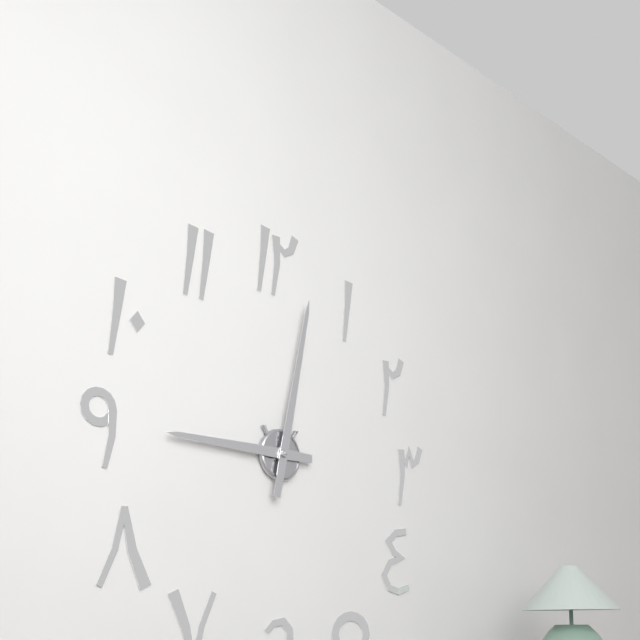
9h02
